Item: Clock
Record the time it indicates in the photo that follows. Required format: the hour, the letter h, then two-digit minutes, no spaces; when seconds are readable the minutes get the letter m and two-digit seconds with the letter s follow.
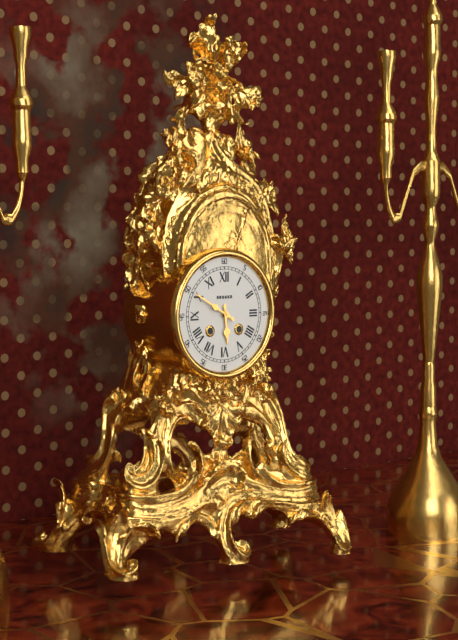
5h50
